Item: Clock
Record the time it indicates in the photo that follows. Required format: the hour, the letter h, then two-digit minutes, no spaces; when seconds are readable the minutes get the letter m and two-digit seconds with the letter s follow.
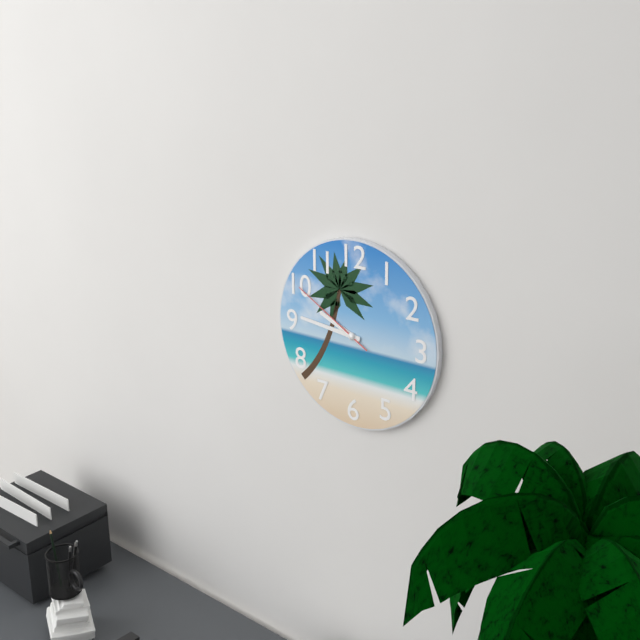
9h46m50s
